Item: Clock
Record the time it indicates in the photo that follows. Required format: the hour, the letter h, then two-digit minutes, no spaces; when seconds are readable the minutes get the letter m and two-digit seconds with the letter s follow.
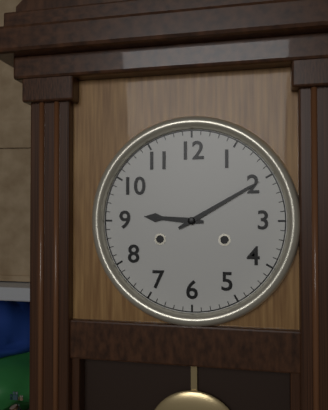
9h10
